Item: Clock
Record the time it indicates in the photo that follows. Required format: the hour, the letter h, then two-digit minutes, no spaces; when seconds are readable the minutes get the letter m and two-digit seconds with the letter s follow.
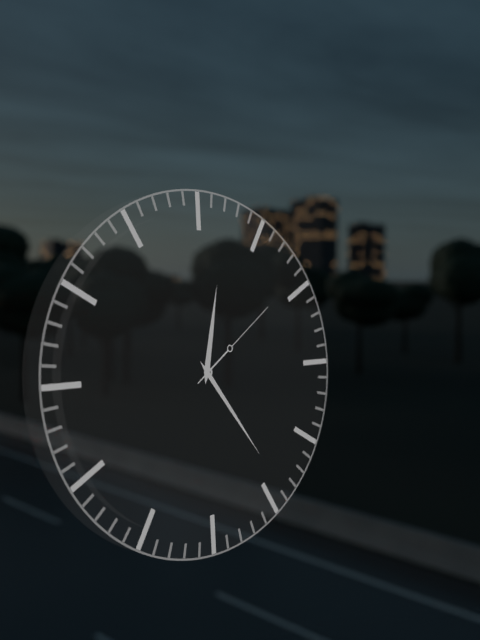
12h24m09s
